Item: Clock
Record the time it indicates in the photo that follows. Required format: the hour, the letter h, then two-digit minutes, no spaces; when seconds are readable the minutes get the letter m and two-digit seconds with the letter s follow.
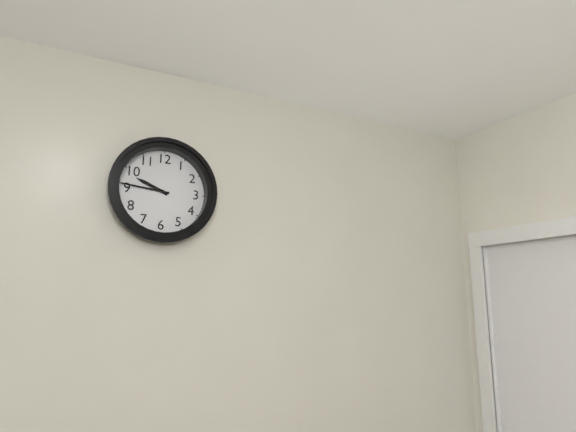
9h46
